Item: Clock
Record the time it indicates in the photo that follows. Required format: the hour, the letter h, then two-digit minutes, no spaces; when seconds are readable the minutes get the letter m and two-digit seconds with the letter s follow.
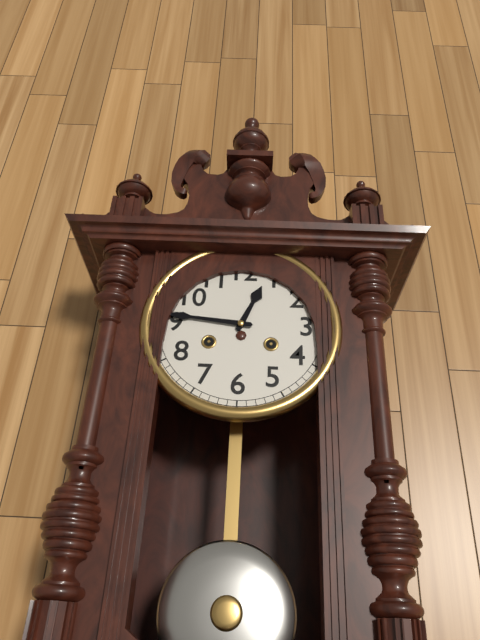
12h46
